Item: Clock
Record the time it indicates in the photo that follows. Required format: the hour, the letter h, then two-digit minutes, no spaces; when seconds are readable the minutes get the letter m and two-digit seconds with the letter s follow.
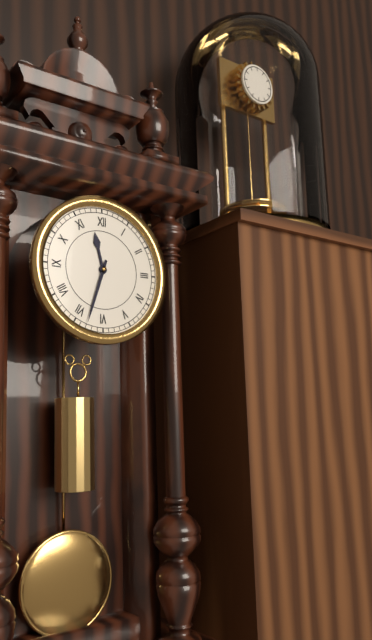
11h33
